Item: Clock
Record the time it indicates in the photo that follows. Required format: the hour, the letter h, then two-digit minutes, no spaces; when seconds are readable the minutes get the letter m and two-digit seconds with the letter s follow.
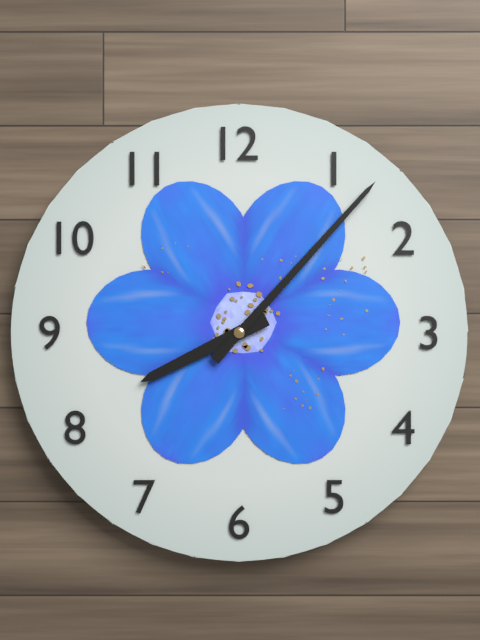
8h07
